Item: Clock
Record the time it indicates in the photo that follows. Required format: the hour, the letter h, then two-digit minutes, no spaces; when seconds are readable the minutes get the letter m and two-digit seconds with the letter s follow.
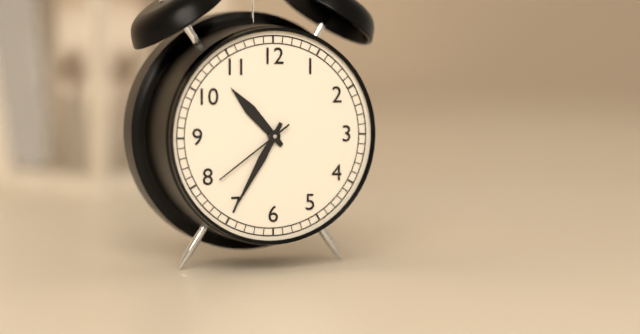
10h35m39s
